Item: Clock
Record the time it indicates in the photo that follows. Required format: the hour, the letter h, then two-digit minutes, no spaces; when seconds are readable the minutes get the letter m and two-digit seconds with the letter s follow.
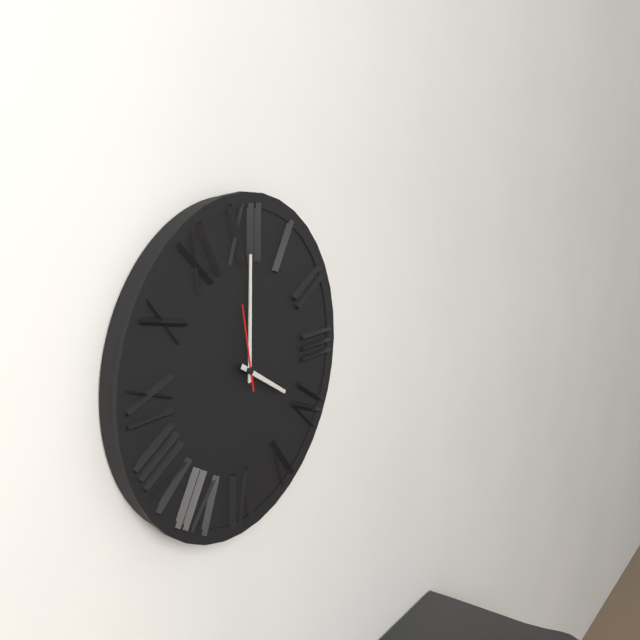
4h00m58s
